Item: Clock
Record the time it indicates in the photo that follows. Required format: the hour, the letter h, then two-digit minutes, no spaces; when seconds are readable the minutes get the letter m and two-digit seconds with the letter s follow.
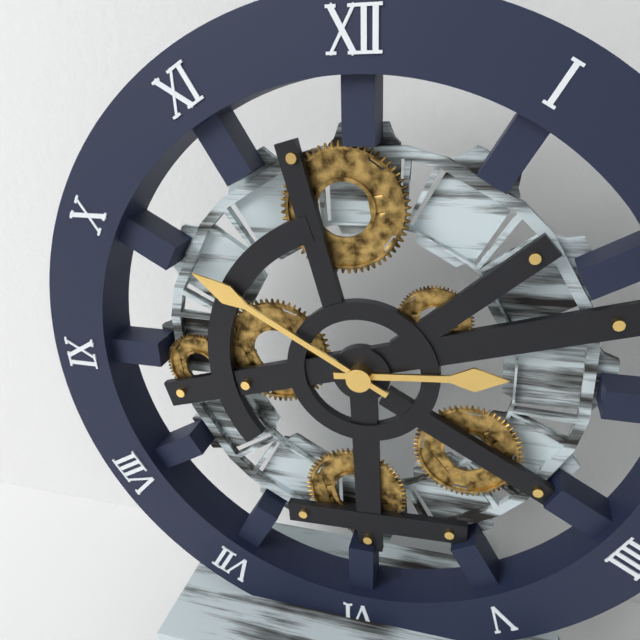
2h50
